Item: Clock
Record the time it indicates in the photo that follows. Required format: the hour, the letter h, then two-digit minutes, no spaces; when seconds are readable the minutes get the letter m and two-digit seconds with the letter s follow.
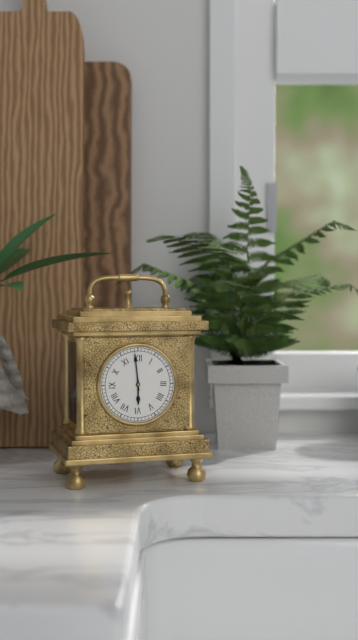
5h59
